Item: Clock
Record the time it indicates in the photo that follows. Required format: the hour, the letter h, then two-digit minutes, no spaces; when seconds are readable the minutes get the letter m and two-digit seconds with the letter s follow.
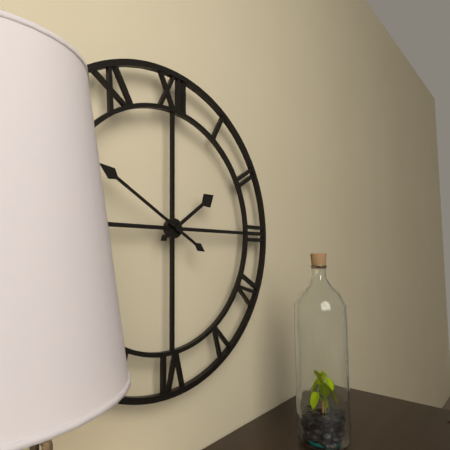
1h50
